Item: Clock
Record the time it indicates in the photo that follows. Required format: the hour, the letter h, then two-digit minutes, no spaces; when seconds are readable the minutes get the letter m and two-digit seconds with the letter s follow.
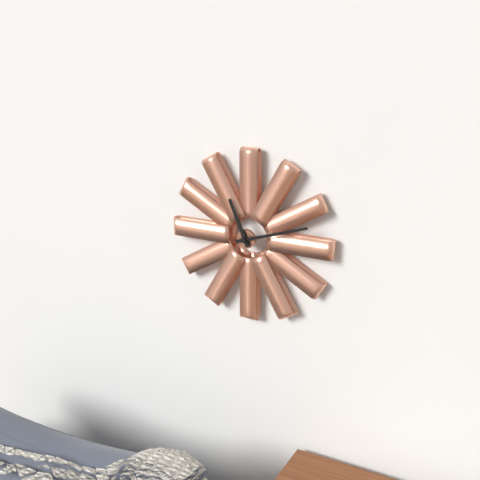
11h12
